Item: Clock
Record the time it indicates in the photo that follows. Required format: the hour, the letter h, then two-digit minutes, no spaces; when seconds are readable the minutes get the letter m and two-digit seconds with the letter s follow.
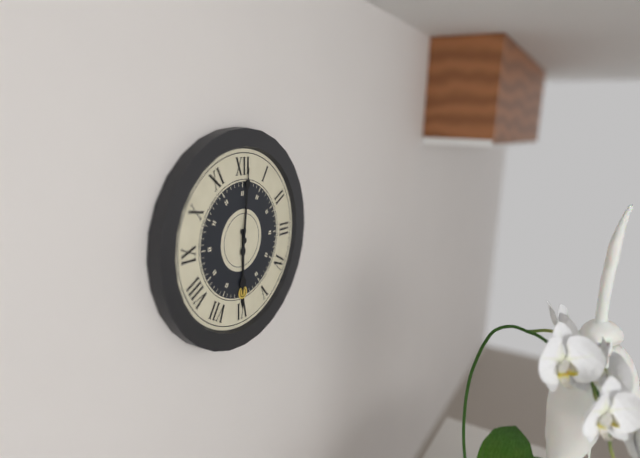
6h01
